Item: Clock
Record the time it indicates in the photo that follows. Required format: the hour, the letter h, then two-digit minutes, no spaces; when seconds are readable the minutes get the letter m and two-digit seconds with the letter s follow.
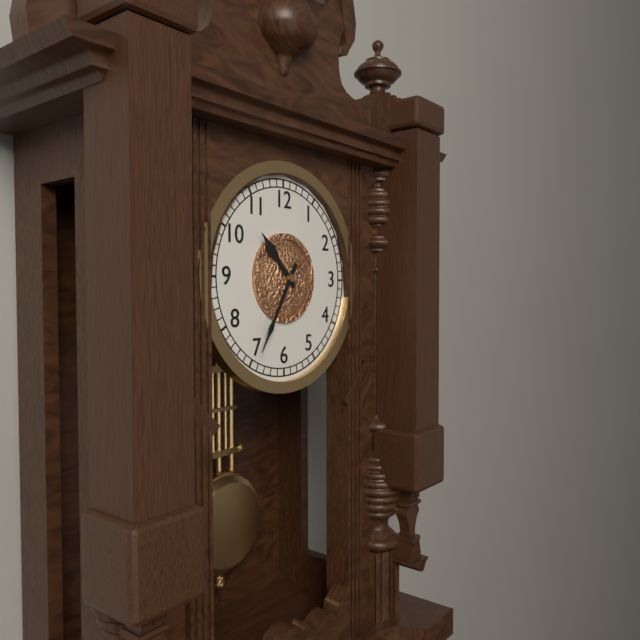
10h35
